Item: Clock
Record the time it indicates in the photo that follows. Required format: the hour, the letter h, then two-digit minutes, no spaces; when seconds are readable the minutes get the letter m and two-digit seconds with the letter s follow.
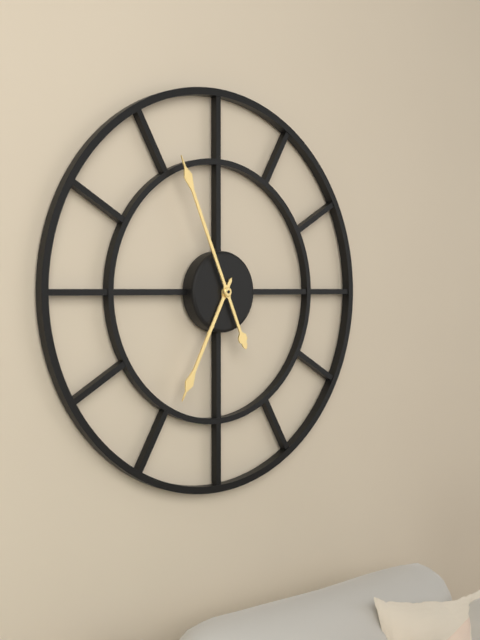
6h56
